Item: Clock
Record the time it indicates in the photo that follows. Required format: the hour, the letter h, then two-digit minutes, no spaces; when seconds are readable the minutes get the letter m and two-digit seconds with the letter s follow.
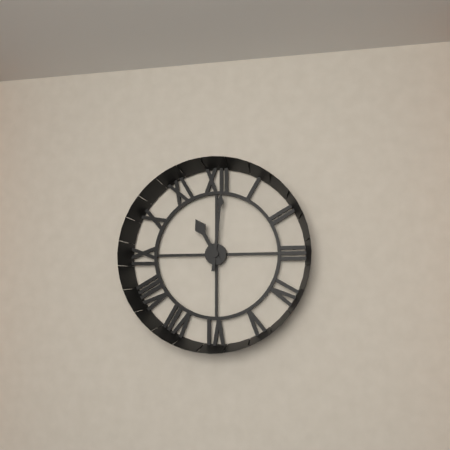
11h01
